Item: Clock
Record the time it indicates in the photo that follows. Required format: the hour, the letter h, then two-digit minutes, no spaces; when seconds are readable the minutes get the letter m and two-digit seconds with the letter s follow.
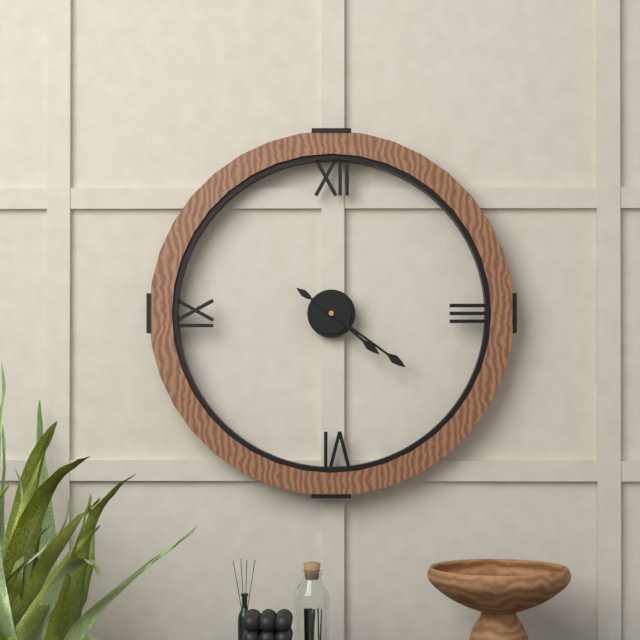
4h21
